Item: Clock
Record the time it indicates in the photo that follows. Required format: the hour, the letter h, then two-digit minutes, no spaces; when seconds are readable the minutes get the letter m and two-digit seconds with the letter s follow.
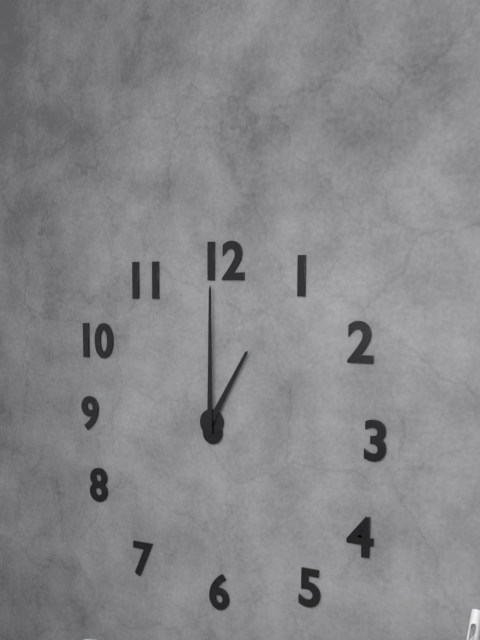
1h00
